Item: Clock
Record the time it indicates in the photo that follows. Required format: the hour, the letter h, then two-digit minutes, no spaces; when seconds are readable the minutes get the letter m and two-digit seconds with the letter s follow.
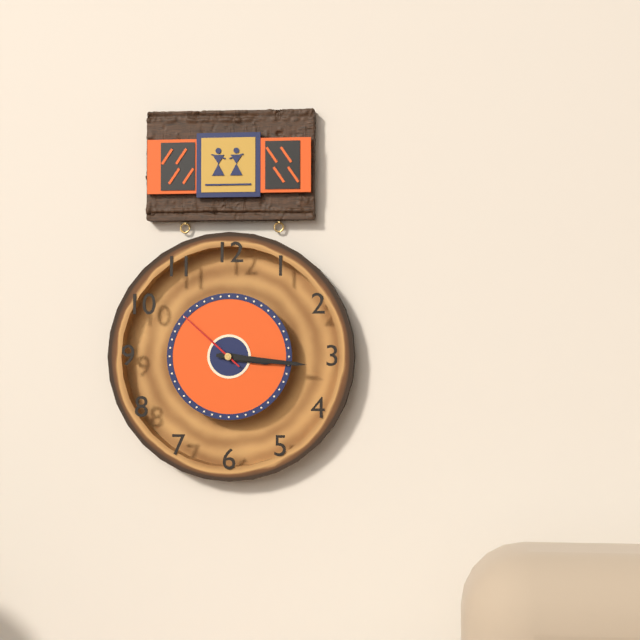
3h16m52s
